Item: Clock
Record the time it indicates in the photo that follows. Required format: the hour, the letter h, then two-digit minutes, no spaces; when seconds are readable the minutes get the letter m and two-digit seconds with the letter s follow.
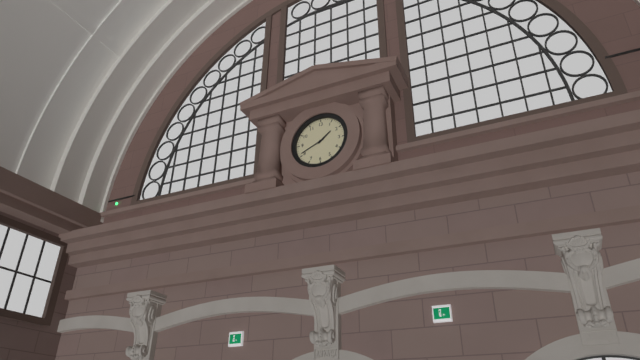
1h41
